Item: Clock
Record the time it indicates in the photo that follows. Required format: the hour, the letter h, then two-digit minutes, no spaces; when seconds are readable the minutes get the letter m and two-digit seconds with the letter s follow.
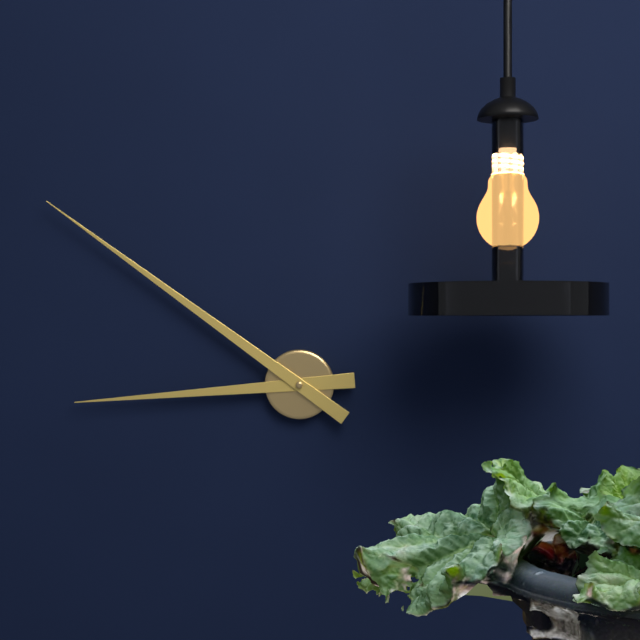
8h51
